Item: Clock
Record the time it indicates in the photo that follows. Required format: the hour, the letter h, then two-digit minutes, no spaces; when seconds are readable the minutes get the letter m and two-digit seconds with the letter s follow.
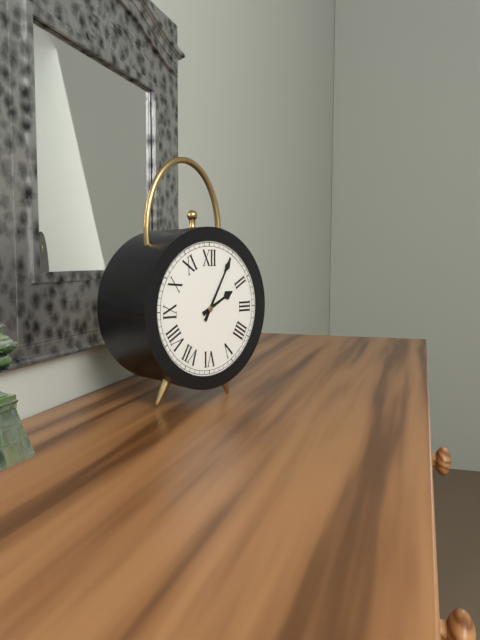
2h05
